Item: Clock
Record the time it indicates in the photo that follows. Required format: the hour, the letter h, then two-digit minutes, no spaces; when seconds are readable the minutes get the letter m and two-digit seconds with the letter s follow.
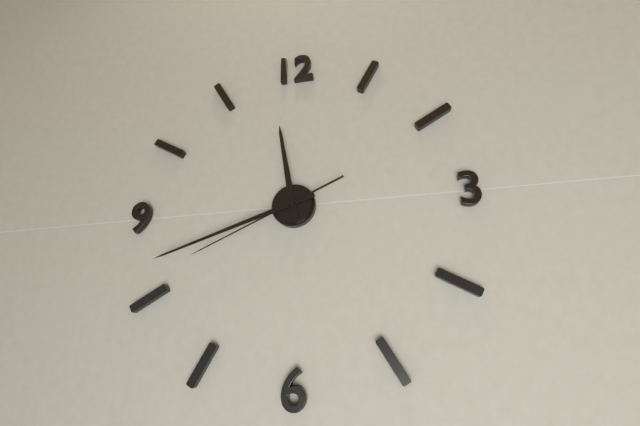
11h42m41s
